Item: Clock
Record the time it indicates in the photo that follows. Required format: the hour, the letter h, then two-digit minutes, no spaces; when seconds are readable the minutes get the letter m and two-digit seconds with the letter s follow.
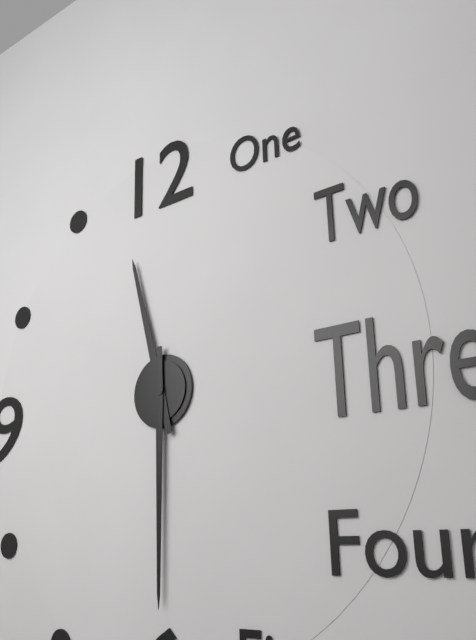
11h30
